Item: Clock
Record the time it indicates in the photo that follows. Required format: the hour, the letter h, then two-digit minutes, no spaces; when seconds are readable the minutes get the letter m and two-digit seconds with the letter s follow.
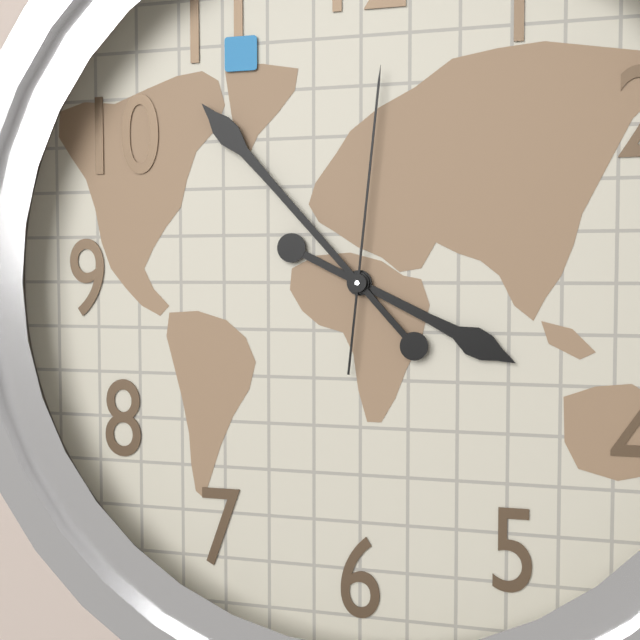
3h53m01s
